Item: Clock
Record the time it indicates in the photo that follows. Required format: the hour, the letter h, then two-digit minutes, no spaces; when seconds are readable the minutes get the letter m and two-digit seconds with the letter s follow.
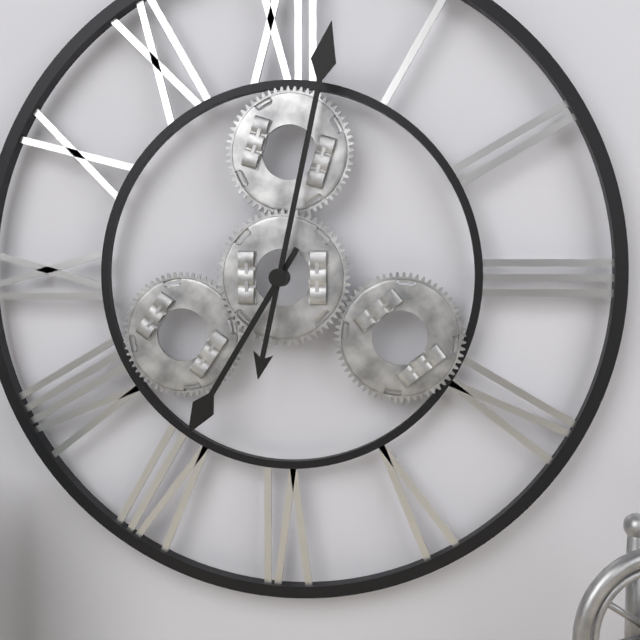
7h02
